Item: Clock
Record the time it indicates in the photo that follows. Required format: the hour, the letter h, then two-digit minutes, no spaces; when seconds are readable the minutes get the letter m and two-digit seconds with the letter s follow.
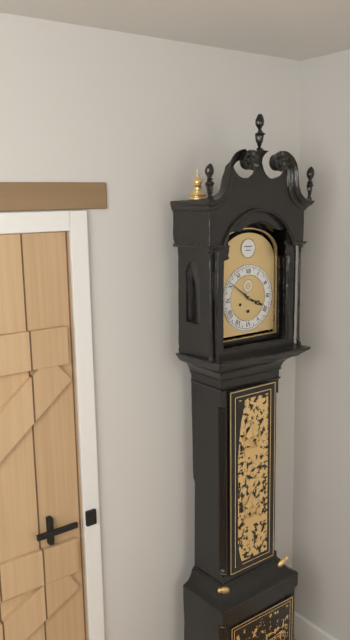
3h51
